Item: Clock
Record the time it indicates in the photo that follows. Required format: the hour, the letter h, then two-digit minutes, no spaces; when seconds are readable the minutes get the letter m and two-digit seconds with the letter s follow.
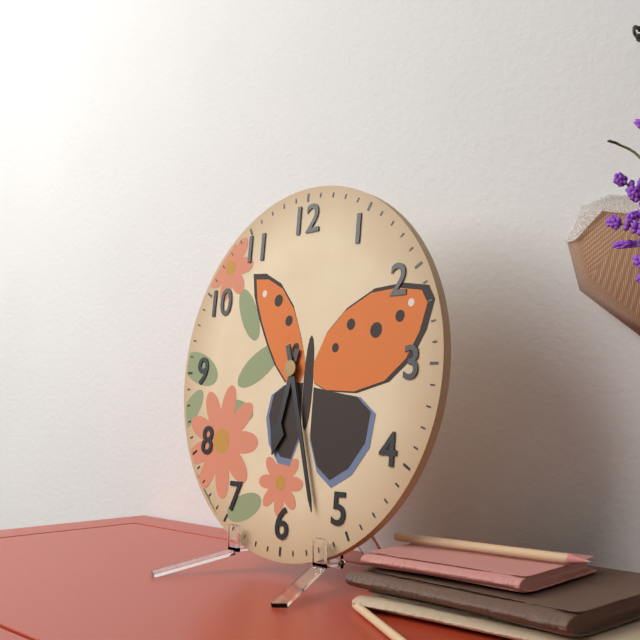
6h27
